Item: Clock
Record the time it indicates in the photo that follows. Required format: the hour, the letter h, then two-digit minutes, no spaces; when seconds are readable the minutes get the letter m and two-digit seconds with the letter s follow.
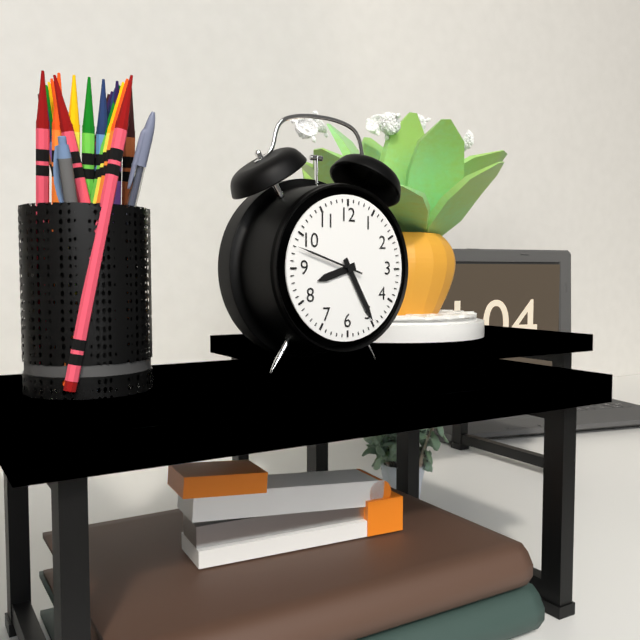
8h25m48s
